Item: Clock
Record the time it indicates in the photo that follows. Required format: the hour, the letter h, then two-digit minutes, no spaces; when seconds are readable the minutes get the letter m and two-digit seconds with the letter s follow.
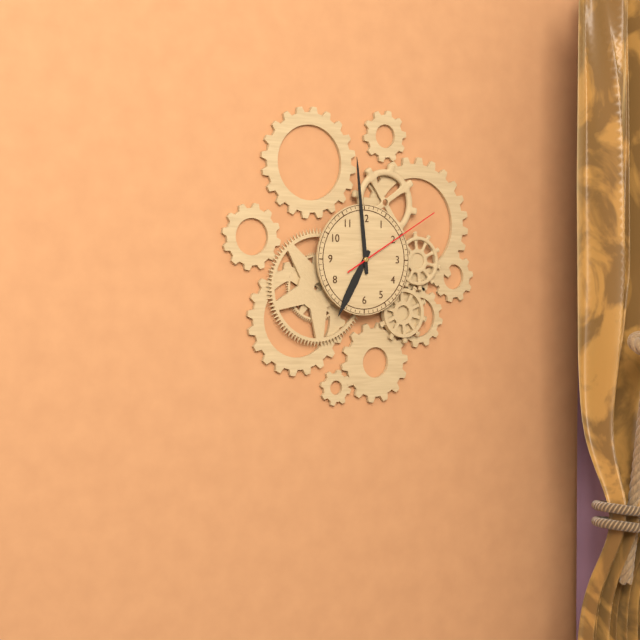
6h59m10s
